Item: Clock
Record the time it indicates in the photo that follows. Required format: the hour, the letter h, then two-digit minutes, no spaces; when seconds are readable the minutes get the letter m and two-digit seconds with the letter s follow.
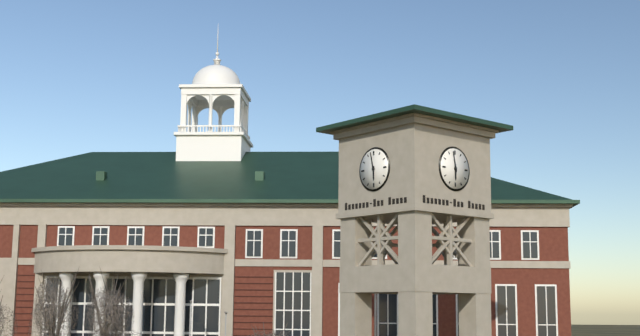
5h58
